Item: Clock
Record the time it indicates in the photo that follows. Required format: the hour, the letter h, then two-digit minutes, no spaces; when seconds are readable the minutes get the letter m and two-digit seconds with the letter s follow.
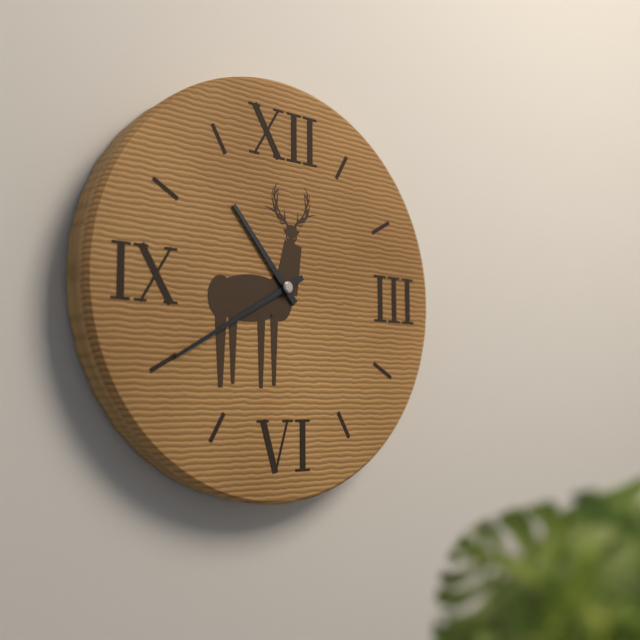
10h40
